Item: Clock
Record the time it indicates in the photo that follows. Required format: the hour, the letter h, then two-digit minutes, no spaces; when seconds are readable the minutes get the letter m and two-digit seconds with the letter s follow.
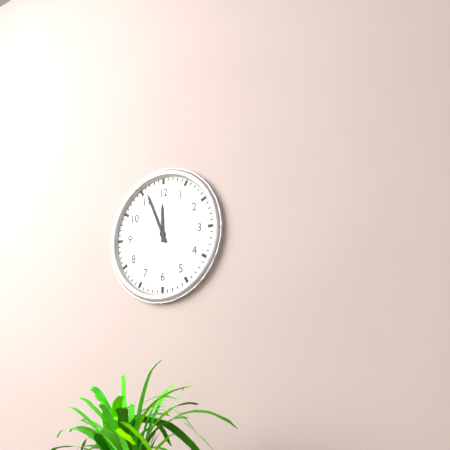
11h56
